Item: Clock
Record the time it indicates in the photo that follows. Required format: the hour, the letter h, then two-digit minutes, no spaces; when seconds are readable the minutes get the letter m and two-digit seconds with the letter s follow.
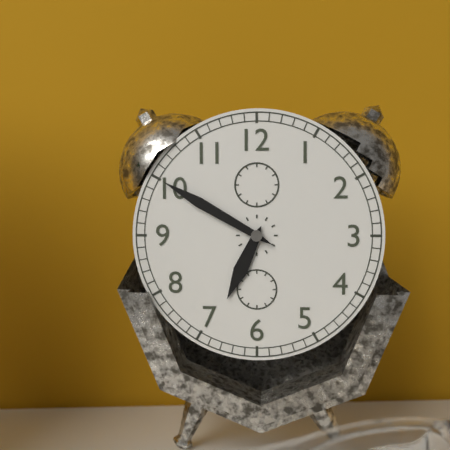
6h50
